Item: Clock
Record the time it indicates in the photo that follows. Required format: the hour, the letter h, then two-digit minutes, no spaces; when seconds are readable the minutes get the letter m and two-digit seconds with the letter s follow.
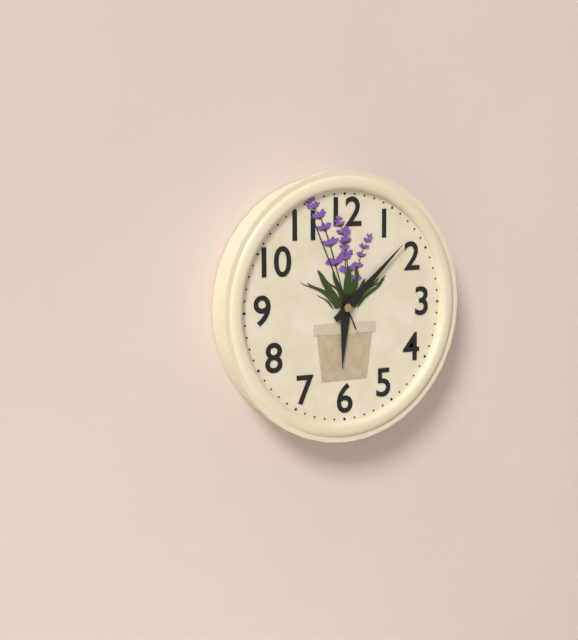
6h08m56s
